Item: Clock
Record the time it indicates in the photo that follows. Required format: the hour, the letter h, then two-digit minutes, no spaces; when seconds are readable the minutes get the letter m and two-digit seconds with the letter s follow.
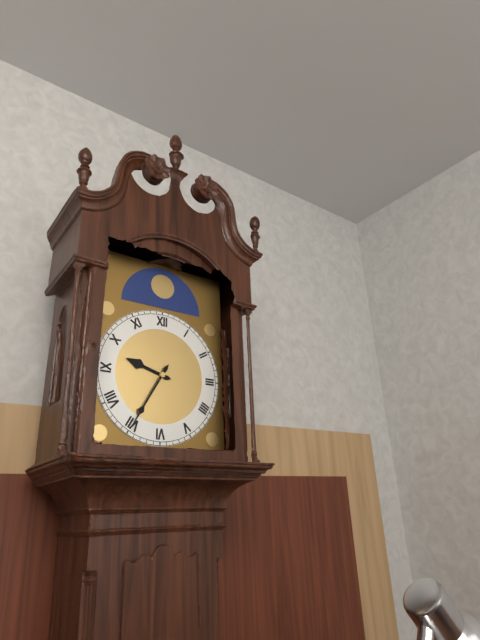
9h35
